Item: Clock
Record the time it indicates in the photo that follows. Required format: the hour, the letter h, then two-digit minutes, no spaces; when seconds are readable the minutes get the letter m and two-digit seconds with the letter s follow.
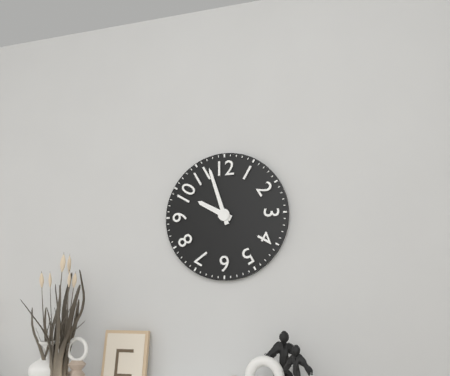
9h57
